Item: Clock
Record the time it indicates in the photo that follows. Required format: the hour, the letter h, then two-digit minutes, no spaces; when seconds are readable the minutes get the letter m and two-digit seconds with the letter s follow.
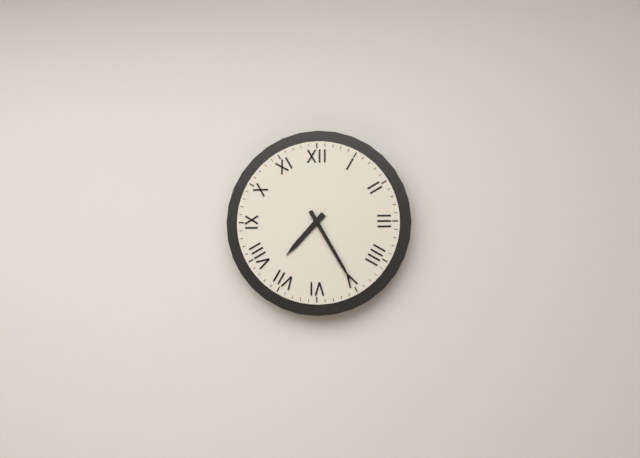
7h25
